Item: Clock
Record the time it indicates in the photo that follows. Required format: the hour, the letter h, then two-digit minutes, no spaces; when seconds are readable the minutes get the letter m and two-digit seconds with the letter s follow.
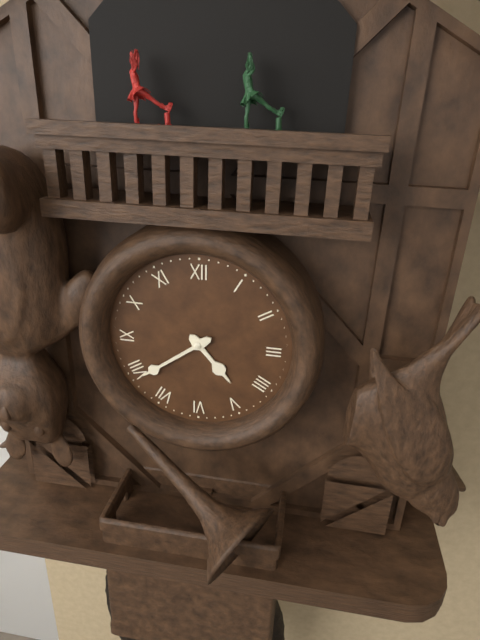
4h39
